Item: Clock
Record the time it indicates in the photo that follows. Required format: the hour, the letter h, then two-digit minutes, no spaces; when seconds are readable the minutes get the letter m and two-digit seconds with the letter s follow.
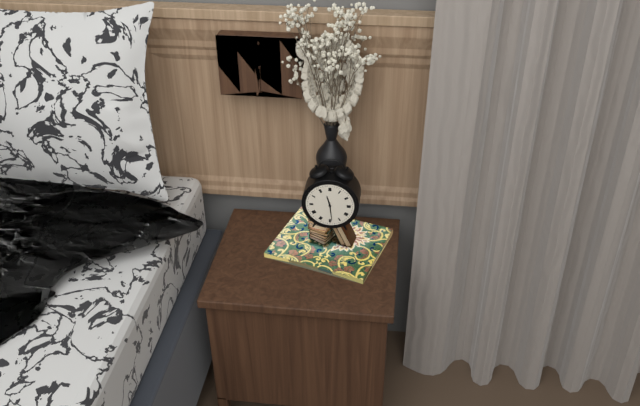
11h29
